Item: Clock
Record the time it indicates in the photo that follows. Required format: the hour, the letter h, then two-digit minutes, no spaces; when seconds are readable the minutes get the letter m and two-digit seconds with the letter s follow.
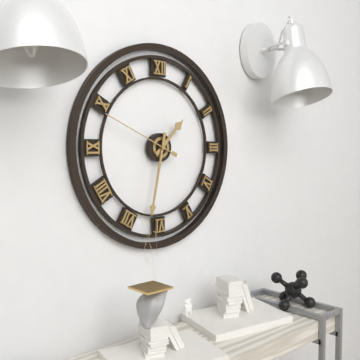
1h32m49s
